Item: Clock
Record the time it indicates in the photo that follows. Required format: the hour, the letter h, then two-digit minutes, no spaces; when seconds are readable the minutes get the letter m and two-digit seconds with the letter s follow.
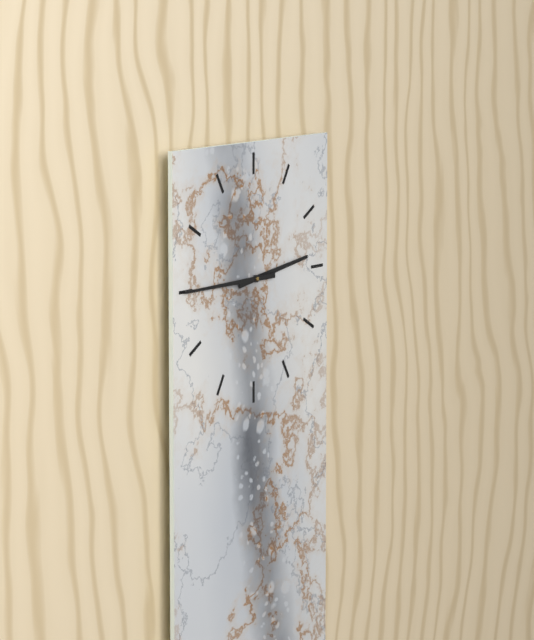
2h45
